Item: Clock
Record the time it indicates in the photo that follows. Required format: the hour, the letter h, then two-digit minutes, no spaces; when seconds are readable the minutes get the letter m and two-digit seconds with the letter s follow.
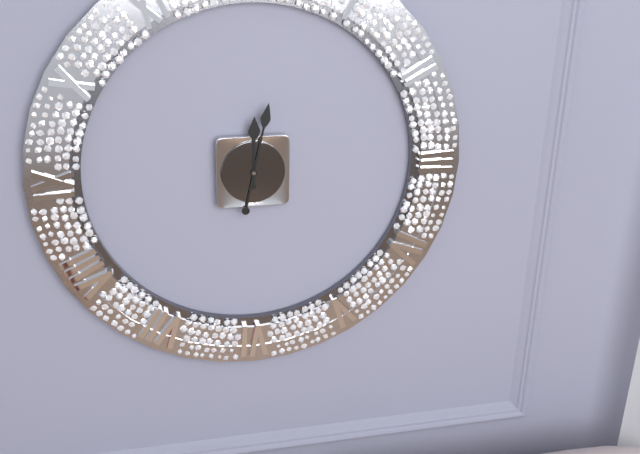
12h02
